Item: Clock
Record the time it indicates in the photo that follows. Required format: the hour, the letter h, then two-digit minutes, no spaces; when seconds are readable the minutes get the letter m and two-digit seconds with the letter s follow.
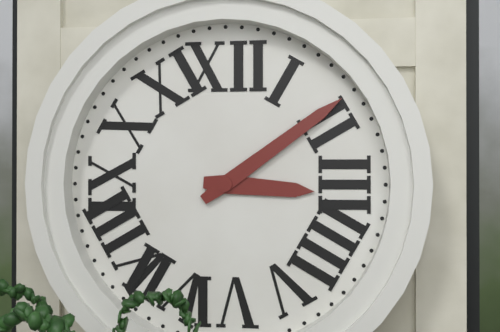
3h09
